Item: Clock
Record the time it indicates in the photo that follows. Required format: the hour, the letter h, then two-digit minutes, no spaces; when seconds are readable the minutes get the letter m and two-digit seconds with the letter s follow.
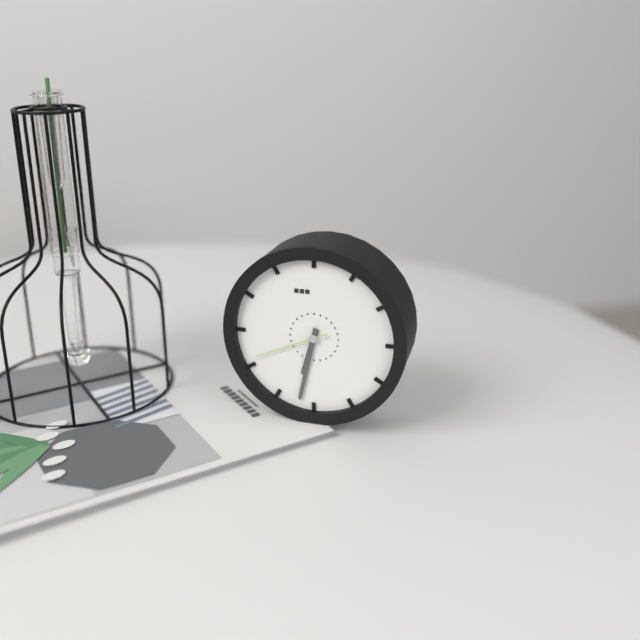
6h32m41s
